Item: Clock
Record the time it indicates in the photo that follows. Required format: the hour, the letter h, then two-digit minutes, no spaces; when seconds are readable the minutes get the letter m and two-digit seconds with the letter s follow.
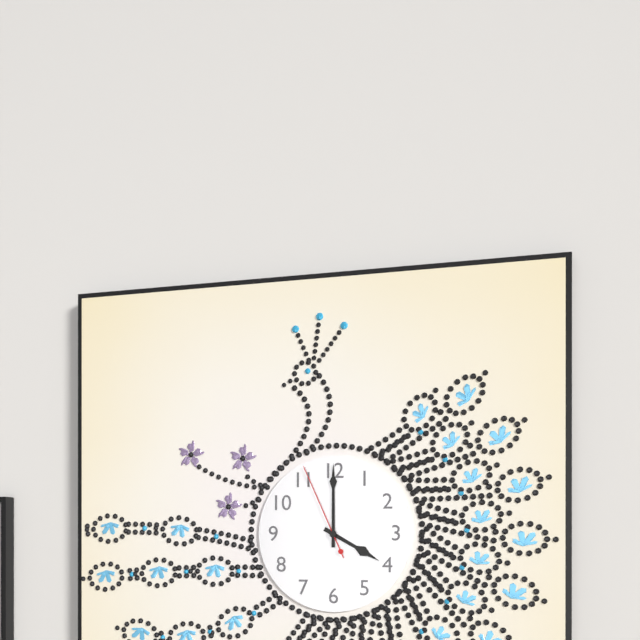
4h00m56s
